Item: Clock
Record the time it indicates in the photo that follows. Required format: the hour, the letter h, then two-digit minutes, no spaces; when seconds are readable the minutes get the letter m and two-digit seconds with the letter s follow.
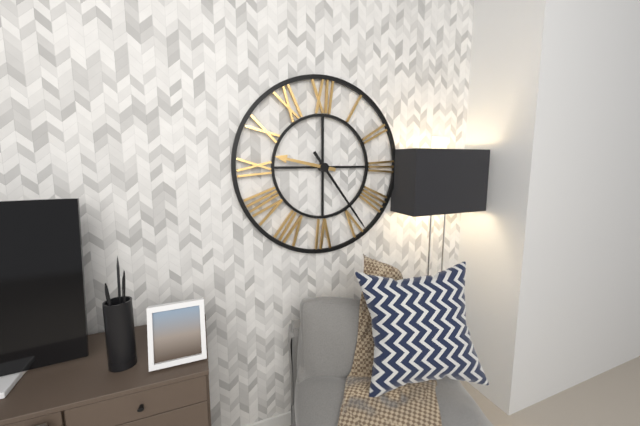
9h24
